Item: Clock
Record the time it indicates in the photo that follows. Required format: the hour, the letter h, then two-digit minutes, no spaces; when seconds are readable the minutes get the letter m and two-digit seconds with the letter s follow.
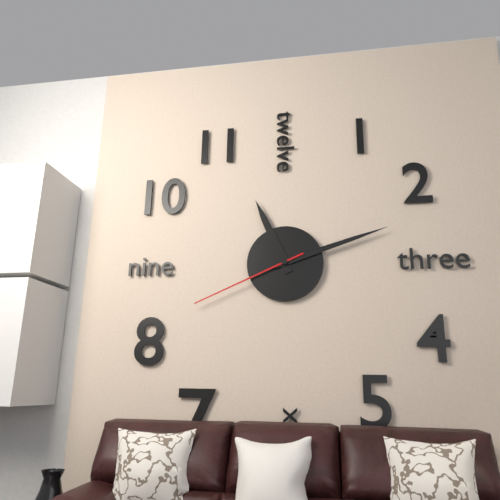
11h12m41s
